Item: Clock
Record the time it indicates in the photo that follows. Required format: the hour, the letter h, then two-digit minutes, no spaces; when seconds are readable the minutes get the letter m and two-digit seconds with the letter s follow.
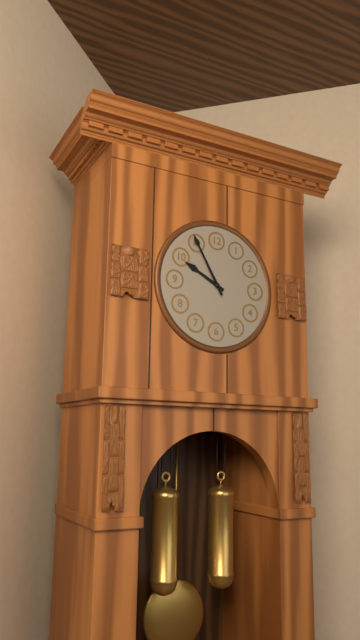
9h55
